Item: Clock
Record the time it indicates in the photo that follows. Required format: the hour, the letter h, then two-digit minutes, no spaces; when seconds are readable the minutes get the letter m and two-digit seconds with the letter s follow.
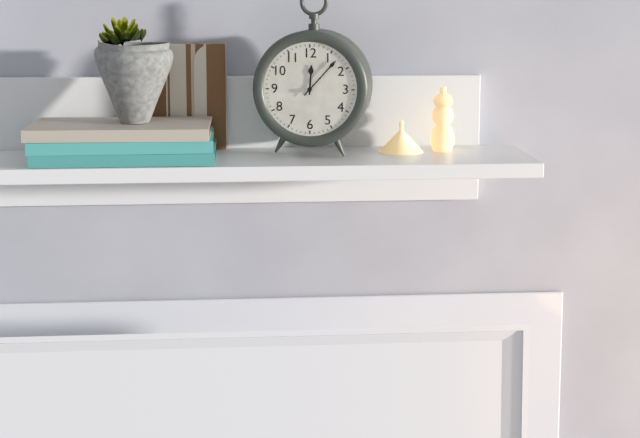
12h07
